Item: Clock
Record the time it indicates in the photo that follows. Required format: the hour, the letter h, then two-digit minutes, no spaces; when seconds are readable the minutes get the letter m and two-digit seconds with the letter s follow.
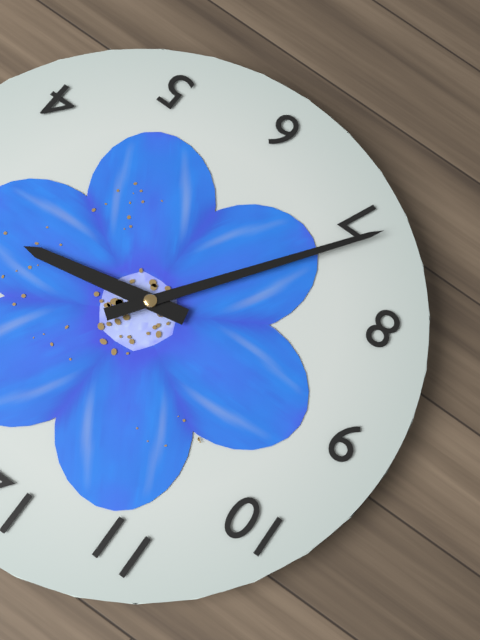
2h36
